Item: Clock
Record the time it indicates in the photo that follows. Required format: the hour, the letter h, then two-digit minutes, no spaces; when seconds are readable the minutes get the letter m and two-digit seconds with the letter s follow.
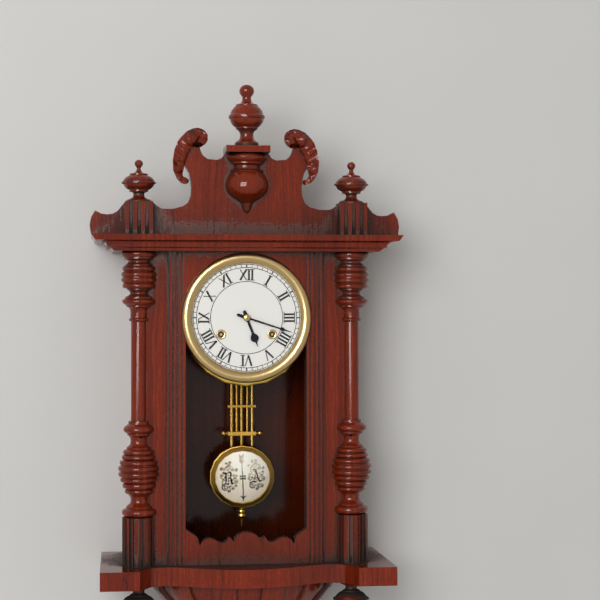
5h18
